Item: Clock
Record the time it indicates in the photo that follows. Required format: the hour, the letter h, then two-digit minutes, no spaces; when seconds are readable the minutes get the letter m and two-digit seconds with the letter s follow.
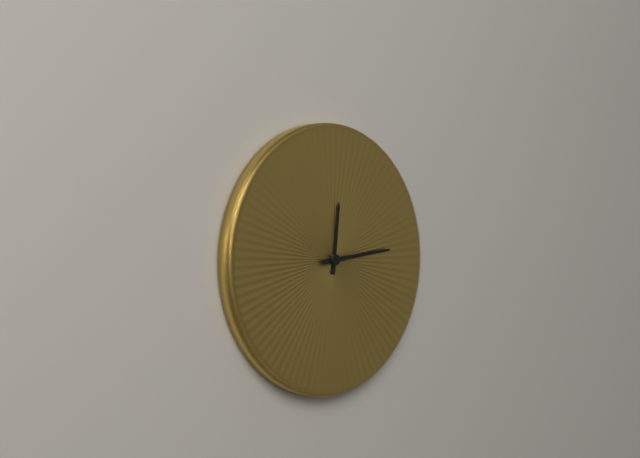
12h14
